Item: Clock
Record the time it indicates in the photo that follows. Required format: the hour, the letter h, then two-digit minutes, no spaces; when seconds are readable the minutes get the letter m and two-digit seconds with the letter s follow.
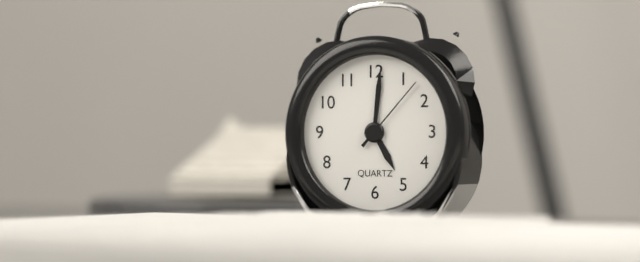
5h01m07s
